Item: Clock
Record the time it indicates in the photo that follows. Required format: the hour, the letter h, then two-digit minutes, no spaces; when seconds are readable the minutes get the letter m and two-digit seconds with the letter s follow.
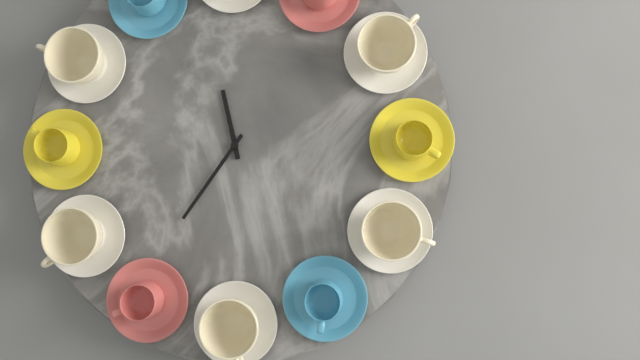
11h36
